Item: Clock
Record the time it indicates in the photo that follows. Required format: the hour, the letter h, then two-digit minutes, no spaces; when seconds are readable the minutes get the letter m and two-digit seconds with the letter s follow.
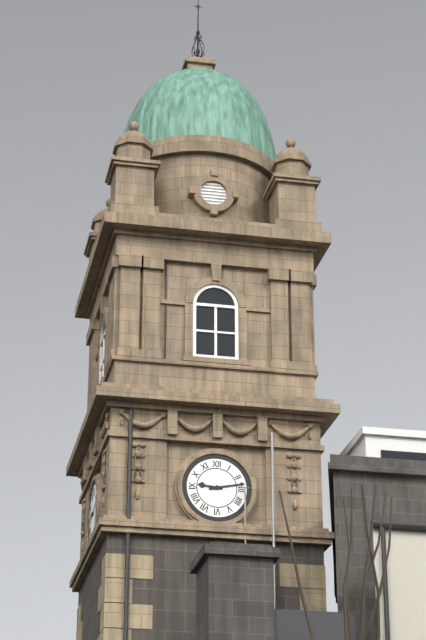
9h13
